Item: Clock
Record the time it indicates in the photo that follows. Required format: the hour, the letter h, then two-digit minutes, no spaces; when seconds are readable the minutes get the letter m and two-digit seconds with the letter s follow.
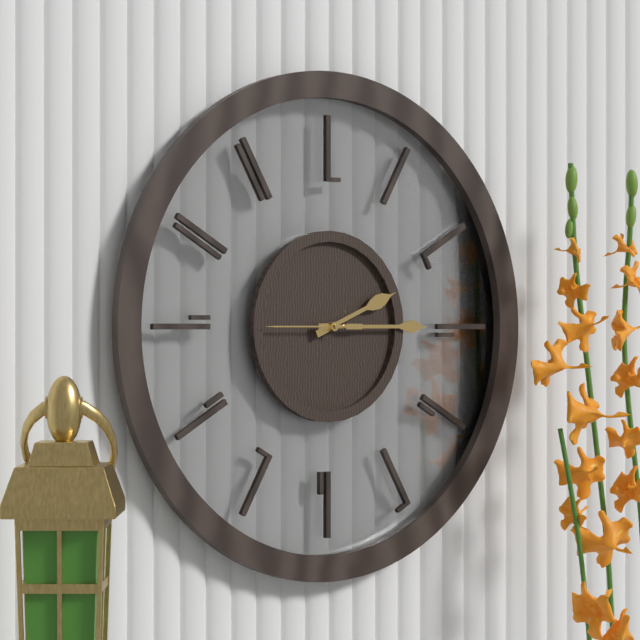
2h15m45s
